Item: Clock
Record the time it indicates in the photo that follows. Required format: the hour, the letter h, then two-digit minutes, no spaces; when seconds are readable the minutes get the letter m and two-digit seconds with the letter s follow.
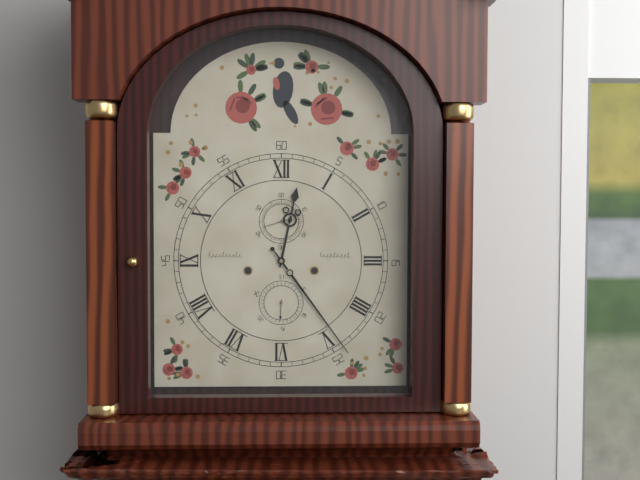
12h24
